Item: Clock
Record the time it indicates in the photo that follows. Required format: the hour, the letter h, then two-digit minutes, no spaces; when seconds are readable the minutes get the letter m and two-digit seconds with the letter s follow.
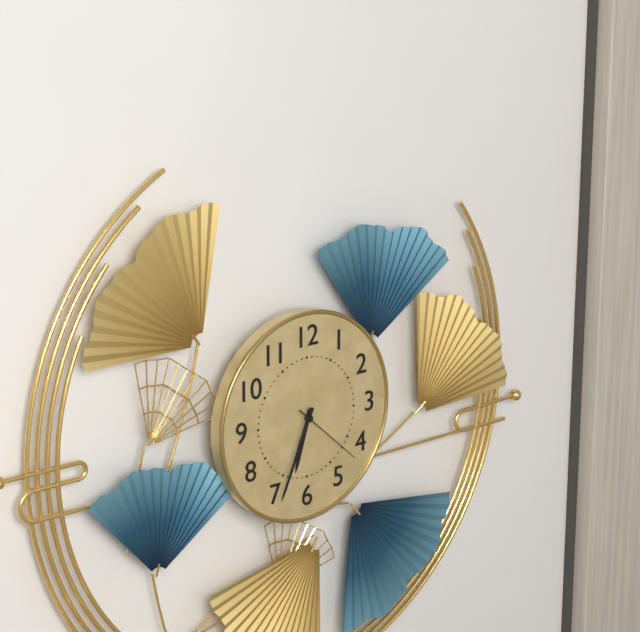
6h34m22s
